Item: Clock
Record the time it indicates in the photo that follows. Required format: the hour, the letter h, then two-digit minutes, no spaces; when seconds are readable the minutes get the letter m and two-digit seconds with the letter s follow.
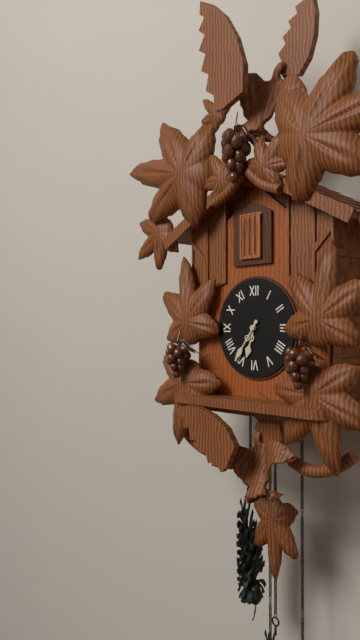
6h36
